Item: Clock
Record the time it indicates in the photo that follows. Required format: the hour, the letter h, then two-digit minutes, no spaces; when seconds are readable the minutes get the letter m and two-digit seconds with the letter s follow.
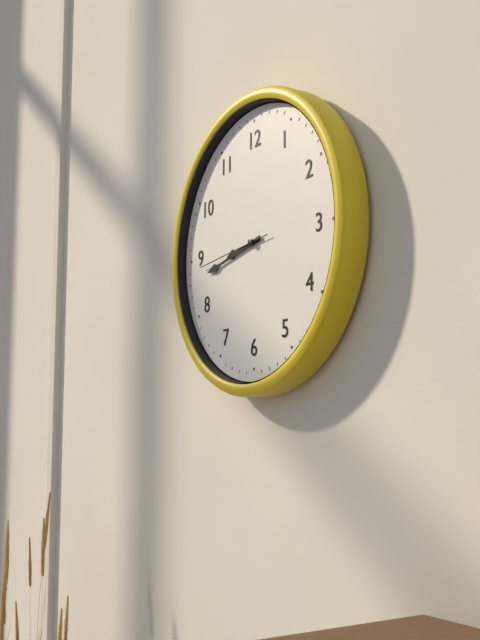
8h43m44s
